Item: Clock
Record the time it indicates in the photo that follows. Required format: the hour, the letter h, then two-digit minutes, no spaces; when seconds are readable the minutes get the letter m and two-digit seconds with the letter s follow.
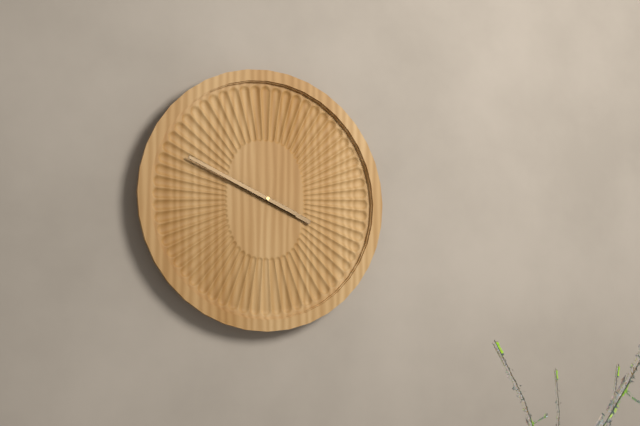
3h49
